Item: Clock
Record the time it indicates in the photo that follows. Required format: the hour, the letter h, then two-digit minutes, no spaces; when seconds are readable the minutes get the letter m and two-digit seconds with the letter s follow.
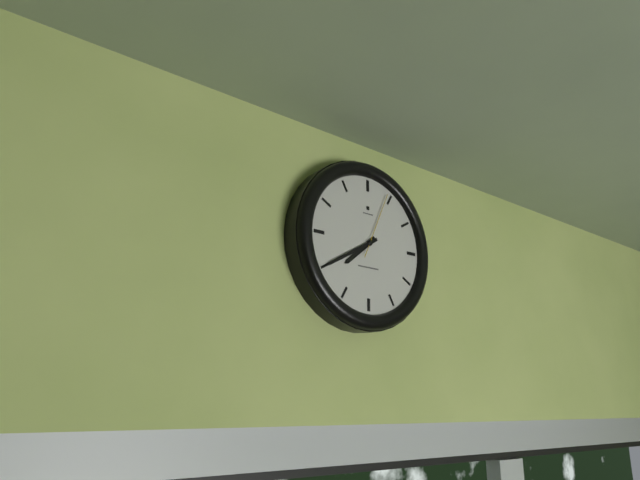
7h40m04s
